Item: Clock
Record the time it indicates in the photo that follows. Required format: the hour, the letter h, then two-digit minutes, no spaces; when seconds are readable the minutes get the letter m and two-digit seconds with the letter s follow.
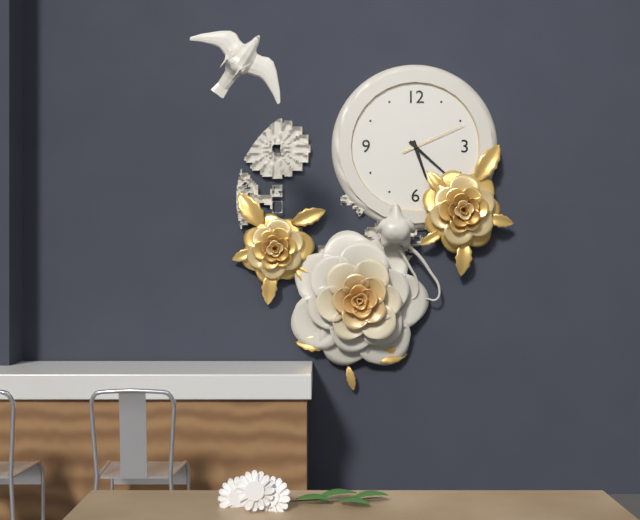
5h22m11s
